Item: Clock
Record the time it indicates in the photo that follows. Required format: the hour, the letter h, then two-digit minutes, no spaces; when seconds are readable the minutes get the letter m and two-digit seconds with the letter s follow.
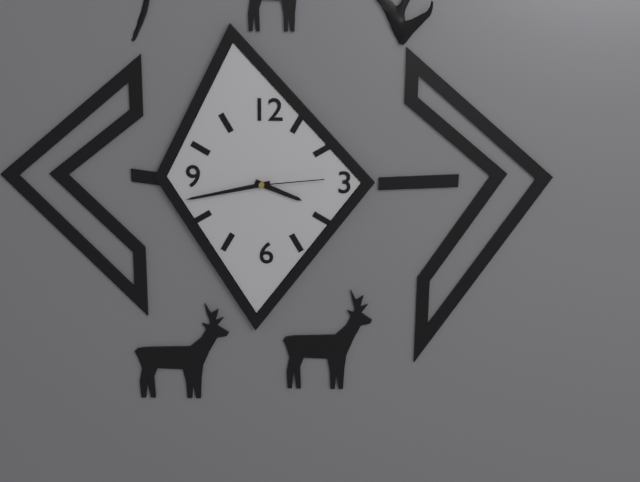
3h43m14s
